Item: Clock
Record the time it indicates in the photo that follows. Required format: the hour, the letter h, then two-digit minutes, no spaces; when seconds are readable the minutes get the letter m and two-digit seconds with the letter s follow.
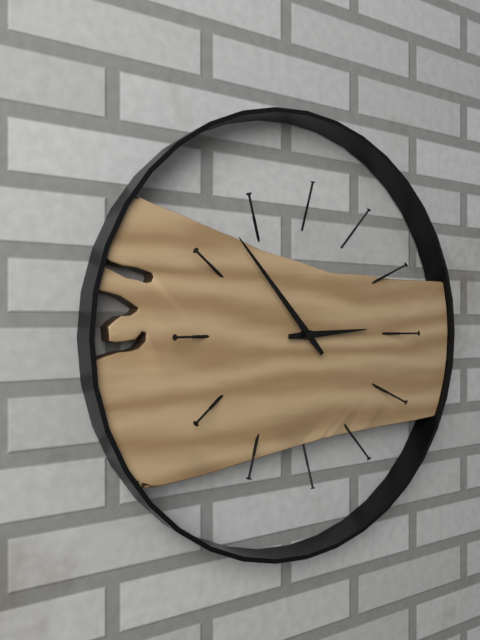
2h53
